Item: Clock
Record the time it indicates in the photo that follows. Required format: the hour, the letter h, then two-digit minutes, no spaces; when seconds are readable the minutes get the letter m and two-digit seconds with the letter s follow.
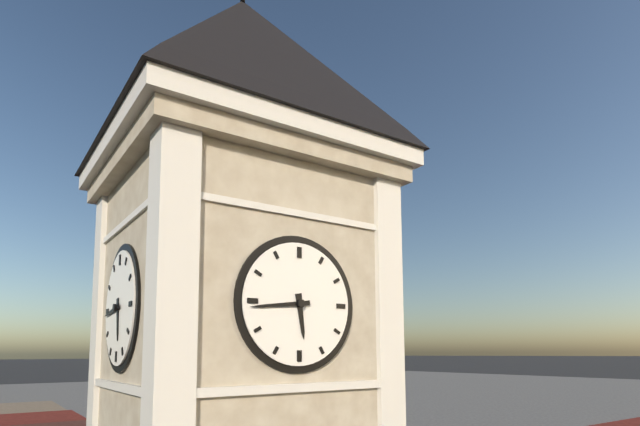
5h44
